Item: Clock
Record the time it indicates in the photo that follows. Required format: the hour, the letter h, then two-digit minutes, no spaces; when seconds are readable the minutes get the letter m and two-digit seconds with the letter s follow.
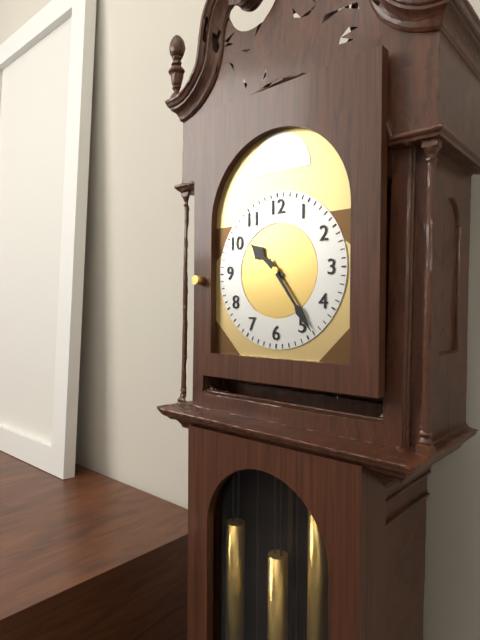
10h24
